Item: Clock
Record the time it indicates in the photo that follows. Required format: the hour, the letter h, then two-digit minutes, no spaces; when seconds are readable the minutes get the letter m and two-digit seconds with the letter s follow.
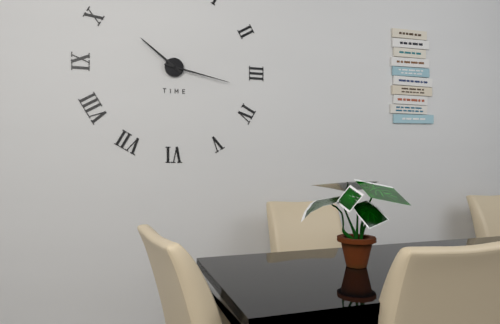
10h17
